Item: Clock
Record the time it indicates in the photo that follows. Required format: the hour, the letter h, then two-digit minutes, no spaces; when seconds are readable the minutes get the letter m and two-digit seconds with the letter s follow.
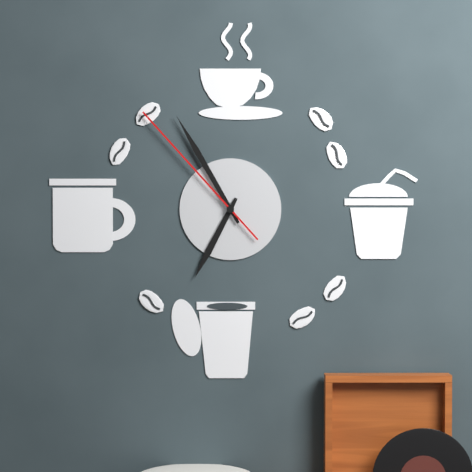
6h55m53s
